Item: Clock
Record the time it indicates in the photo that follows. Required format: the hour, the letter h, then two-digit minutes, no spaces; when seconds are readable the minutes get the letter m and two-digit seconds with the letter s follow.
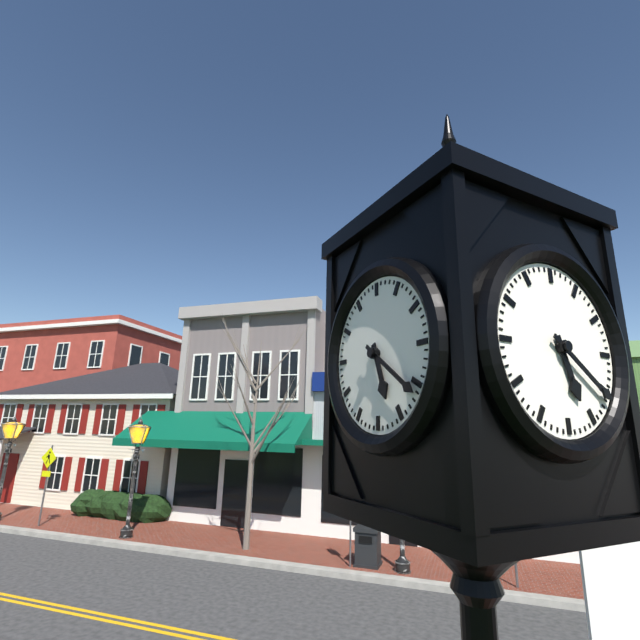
5h21
